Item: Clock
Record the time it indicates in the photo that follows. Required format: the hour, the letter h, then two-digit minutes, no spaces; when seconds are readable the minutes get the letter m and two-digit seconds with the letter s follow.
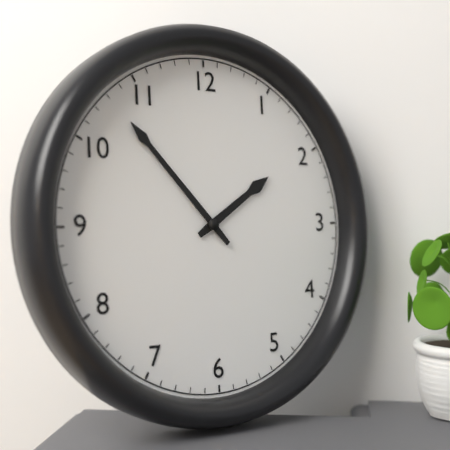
1h53
